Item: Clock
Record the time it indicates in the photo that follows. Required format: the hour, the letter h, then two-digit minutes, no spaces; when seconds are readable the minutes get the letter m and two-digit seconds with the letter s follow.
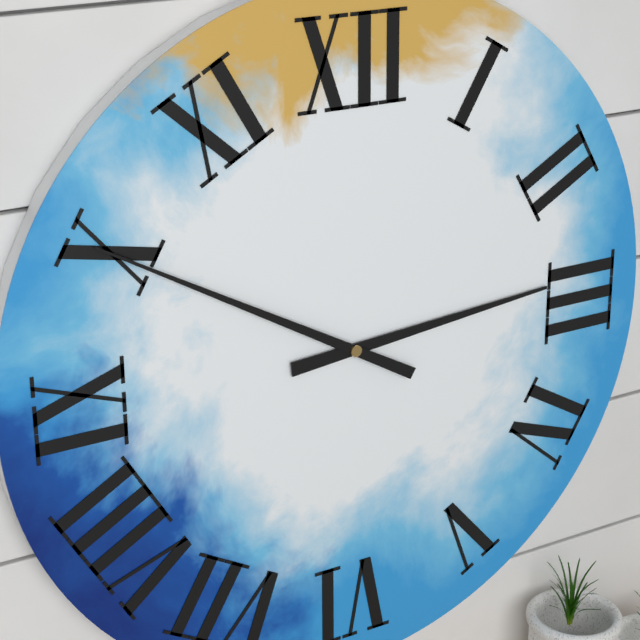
2h50
